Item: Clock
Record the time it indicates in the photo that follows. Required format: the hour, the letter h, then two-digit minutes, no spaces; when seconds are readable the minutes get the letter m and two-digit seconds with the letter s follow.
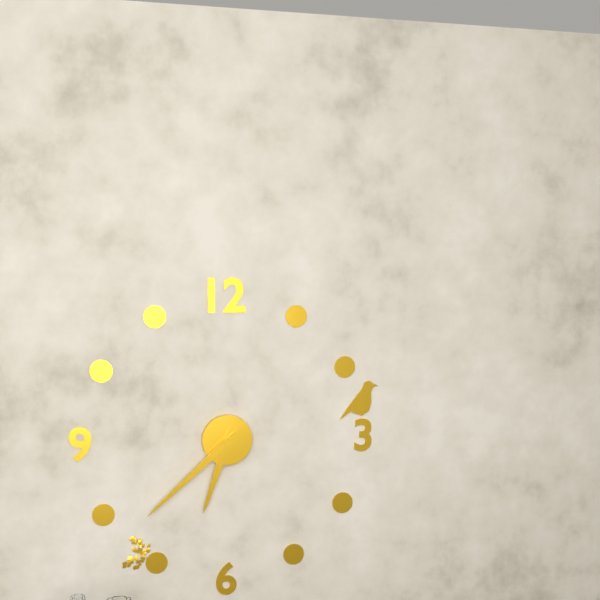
6h38
